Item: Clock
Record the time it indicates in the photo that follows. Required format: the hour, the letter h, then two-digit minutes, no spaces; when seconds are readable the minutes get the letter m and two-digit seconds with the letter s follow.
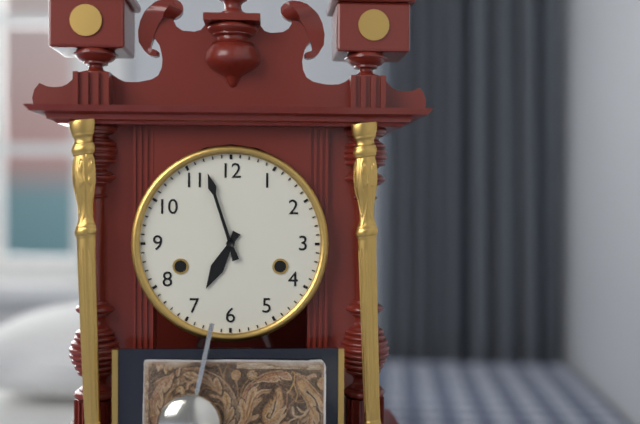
6h57
